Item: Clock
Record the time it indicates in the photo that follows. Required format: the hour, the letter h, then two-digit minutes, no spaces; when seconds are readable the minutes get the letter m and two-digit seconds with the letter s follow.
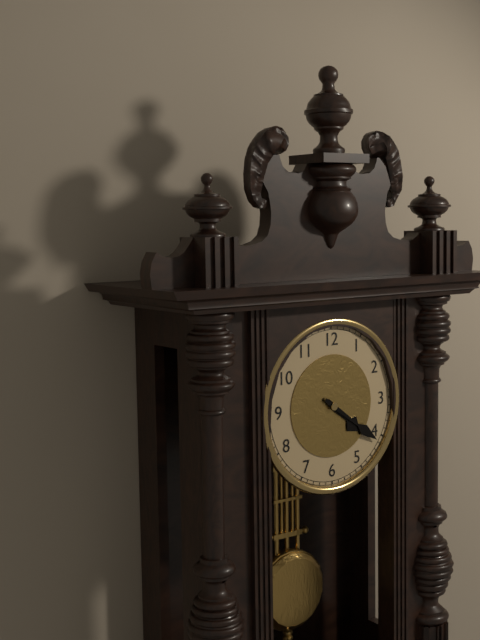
4h21
